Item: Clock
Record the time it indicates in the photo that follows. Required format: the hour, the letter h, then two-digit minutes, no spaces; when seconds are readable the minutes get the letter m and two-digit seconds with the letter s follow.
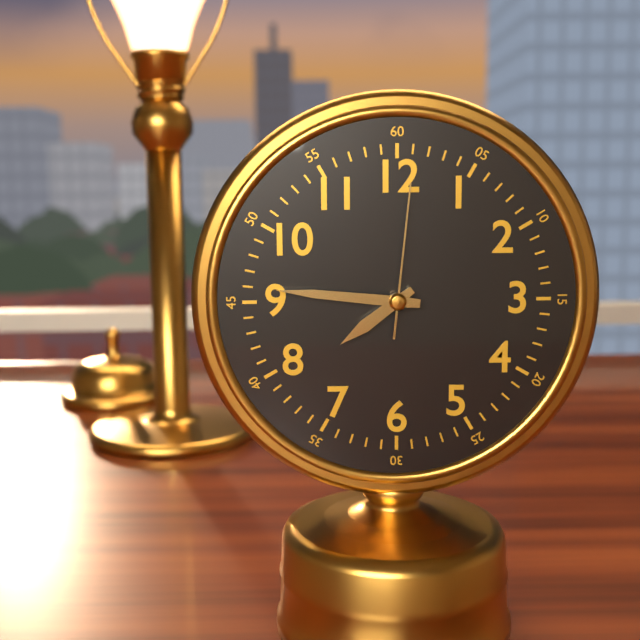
7h46m01s
